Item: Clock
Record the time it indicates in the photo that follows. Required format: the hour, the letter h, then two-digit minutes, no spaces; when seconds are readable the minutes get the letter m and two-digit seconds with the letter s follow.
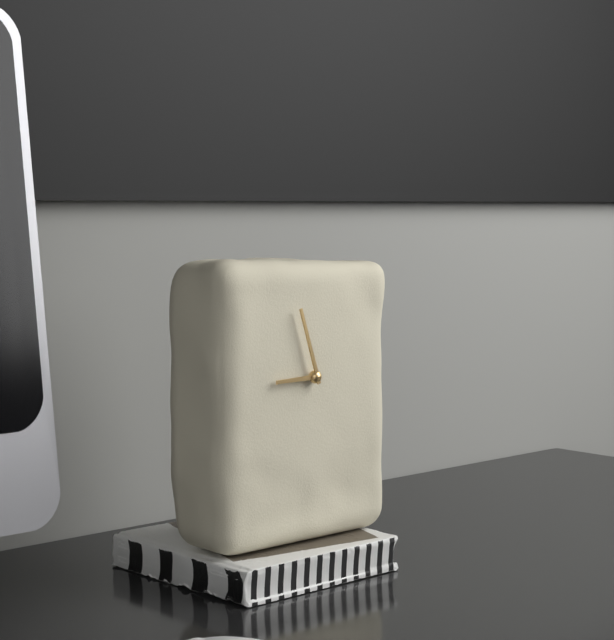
8h57
